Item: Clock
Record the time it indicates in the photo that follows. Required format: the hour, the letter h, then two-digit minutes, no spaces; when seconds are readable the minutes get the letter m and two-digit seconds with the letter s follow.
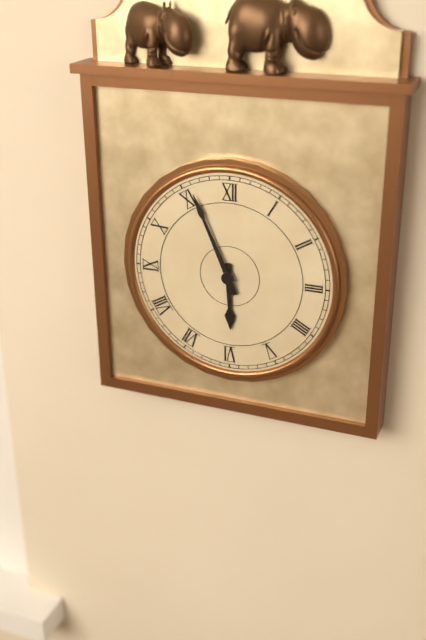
5h56
